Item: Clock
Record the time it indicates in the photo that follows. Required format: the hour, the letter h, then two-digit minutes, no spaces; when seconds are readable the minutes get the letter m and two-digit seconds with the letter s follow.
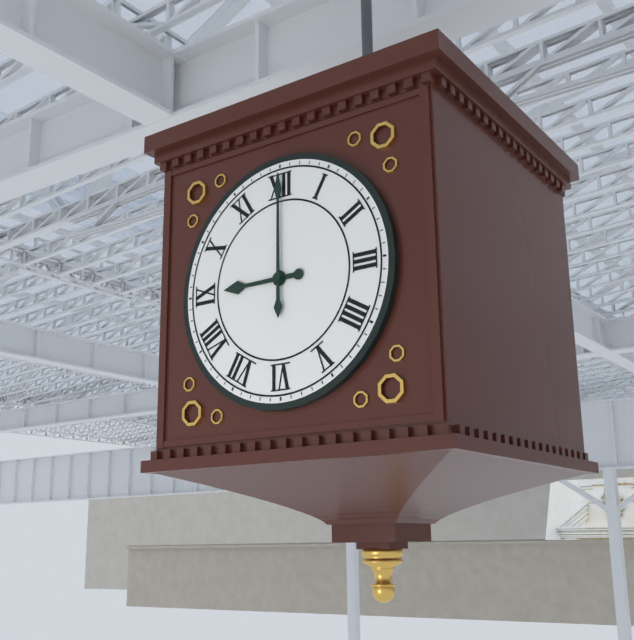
9h00
